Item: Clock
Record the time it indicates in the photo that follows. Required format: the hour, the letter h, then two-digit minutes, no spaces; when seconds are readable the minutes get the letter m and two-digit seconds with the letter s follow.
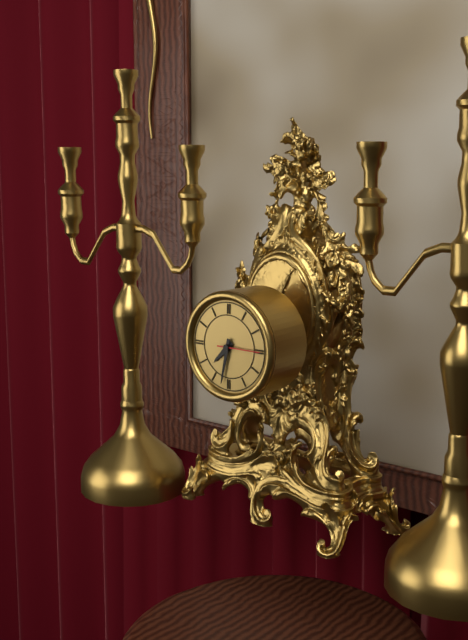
7h32
